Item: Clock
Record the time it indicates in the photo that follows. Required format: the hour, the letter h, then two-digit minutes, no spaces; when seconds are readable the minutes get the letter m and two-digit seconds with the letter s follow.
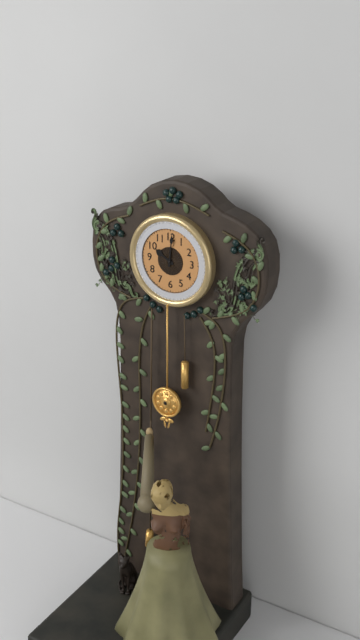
10h01
